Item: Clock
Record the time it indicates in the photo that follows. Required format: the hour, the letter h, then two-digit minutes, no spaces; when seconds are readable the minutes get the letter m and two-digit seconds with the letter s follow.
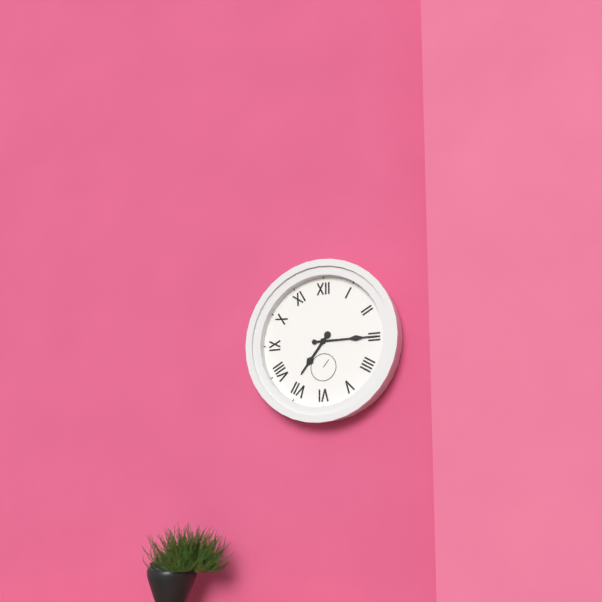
7h15
